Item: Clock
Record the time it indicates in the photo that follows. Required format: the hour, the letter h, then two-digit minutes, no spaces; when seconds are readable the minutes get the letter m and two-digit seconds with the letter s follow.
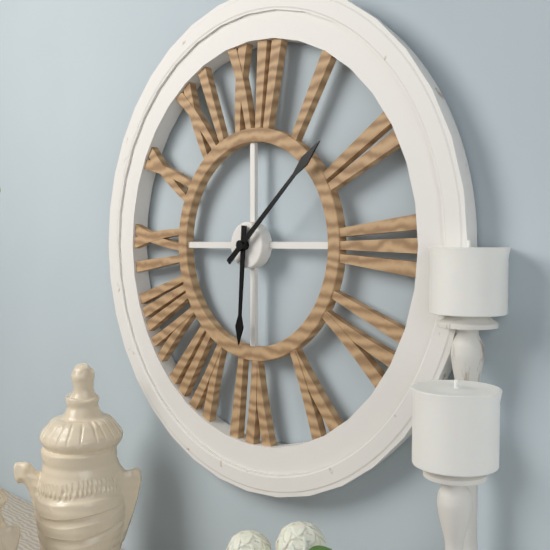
6h08
